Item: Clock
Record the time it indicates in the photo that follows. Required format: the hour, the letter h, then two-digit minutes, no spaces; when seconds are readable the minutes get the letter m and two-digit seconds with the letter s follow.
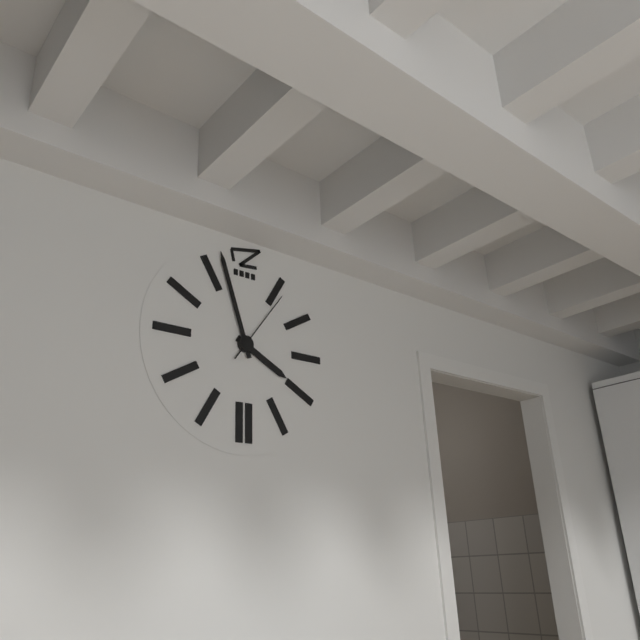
3h57m06s
